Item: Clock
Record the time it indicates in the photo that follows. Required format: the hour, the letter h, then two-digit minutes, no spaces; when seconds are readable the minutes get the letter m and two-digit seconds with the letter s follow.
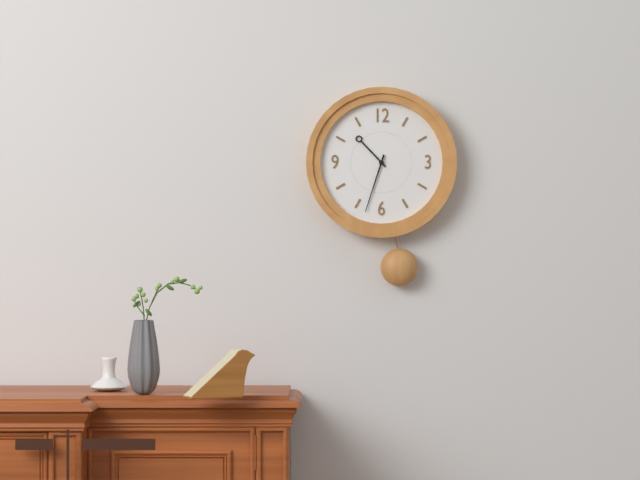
10h33
